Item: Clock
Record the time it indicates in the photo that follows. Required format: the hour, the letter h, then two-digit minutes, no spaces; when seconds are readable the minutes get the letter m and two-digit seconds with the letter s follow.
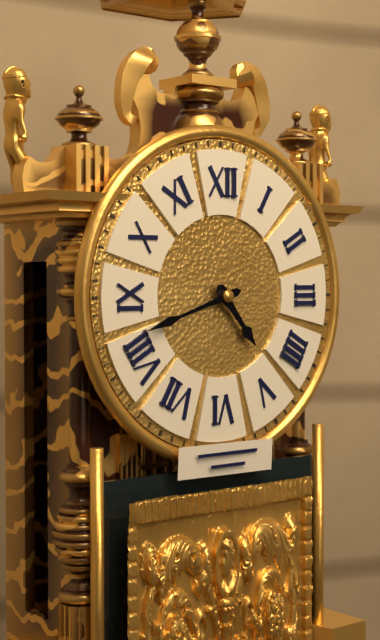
4h42
